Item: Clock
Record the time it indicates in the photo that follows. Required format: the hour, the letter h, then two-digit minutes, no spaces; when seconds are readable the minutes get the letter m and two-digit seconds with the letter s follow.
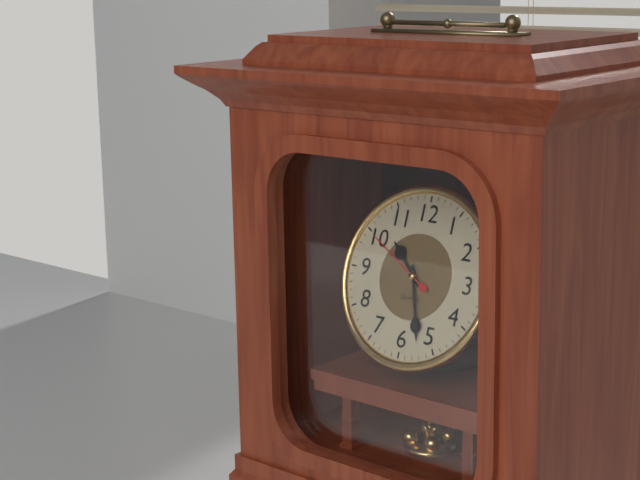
10h27m50s
